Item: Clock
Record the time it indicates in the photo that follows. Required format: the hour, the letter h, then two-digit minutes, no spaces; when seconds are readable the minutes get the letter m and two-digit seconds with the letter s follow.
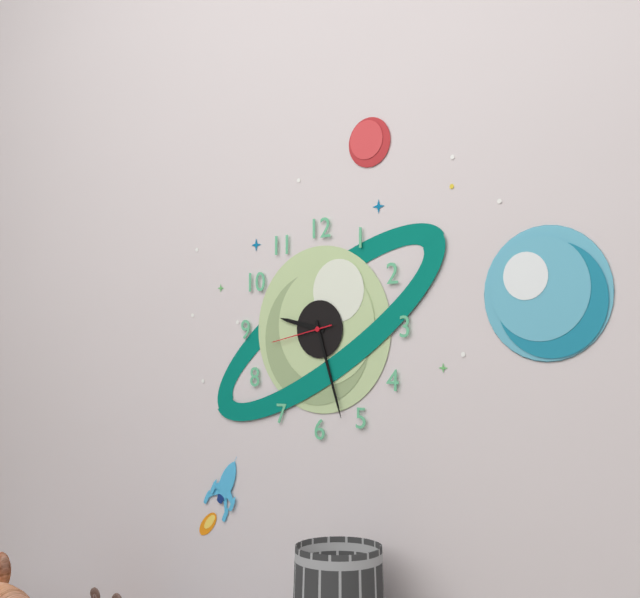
9h27m43s
